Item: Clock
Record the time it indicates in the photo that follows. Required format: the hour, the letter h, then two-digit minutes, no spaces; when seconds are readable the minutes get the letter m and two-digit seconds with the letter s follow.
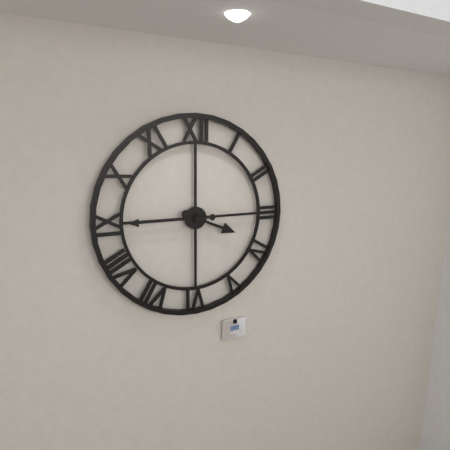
3h45
